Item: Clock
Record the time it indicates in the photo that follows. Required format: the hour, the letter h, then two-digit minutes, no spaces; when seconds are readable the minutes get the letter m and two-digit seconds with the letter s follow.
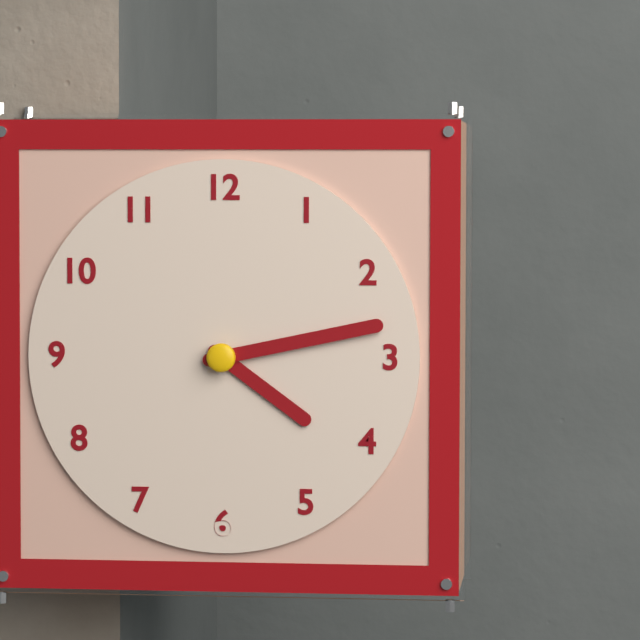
4h13
